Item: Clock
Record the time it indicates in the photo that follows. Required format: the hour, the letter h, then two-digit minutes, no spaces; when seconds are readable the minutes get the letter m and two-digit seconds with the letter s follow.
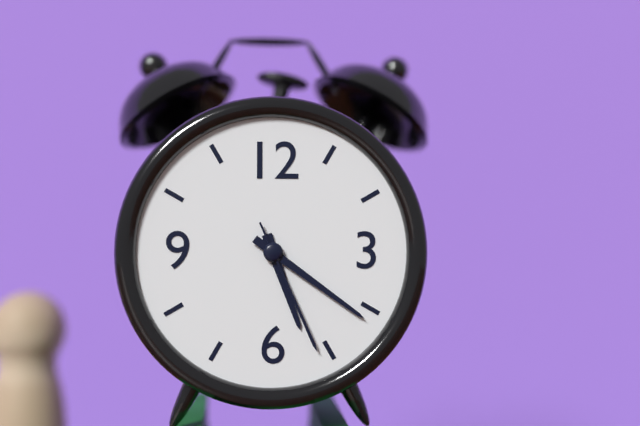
5h21m26s
